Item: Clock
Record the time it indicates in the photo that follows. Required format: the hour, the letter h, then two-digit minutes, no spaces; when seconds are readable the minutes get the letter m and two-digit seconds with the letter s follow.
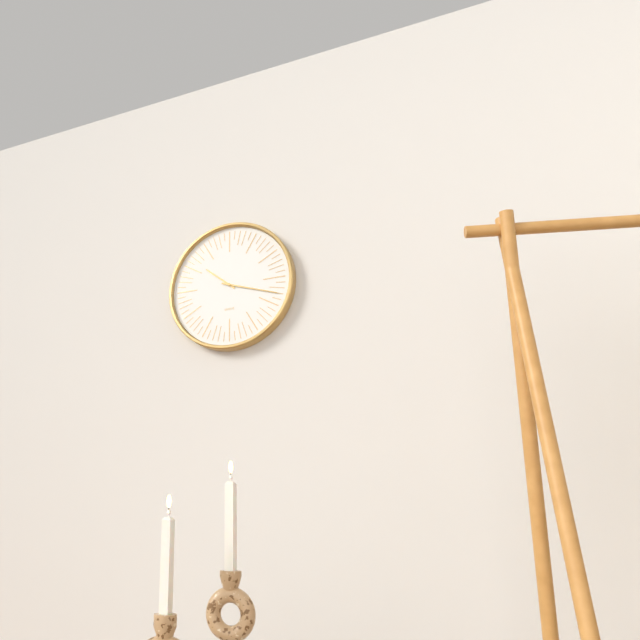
10h18
